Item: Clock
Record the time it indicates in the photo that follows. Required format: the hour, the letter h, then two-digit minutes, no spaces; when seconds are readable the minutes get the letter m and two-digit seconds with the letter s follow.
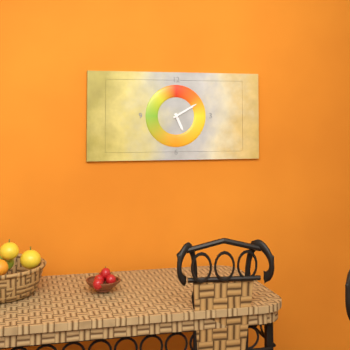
5h10
